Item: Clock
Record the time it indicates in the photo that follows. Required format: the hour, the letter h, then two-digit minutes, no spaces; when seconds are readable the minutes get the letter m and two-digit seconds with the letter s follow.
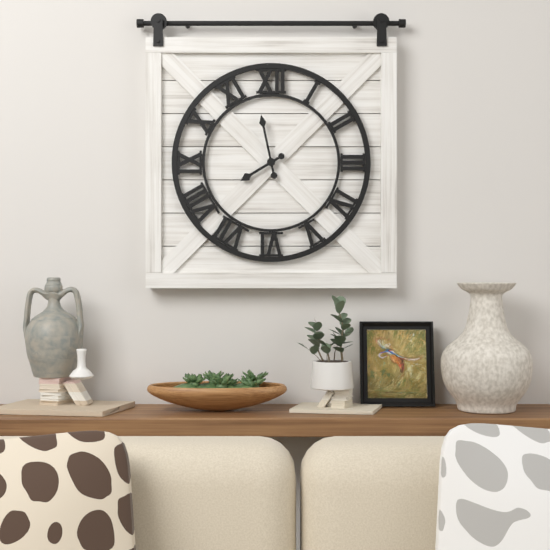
7h58
